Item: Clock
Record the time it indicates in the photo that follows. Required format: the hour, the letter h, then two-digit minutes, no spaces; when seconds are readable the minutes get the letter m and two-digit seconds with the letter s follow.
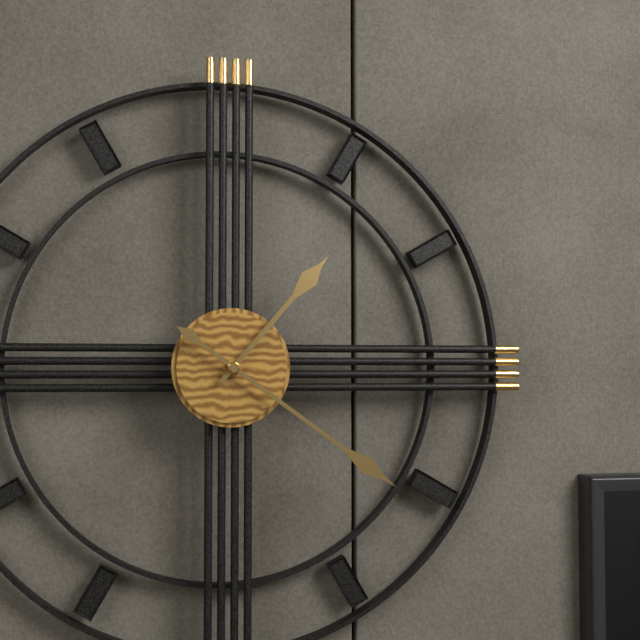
1h21
